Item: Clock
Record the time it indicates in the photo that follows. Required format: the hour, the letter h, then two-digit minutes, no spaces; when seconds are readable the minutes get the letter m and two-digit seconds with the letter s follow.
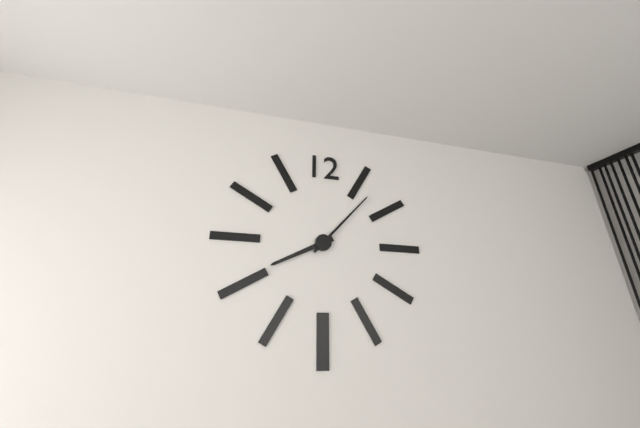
8h07
